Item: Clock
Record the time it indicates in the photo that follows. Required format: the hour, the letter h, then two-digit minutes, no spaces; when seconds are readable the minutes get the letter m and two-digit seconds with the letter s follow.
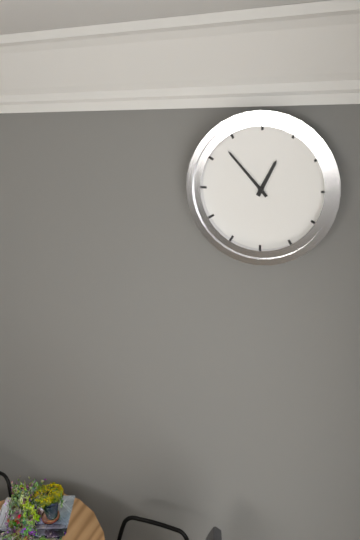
12h53
